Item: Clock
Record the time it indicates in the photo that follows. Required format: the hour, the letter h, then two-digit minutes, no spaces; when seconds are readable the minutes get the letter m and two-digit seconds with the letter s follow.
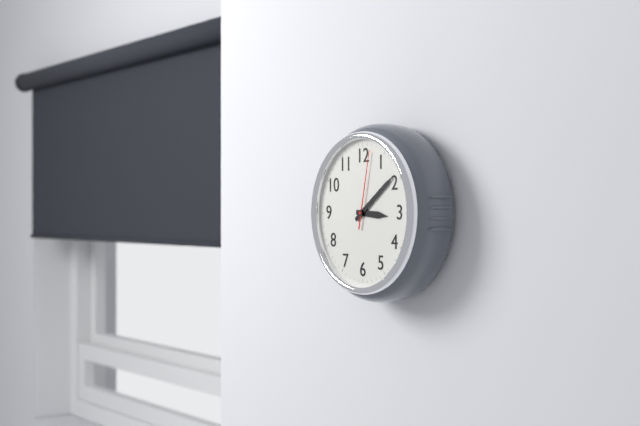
3h09m02s
